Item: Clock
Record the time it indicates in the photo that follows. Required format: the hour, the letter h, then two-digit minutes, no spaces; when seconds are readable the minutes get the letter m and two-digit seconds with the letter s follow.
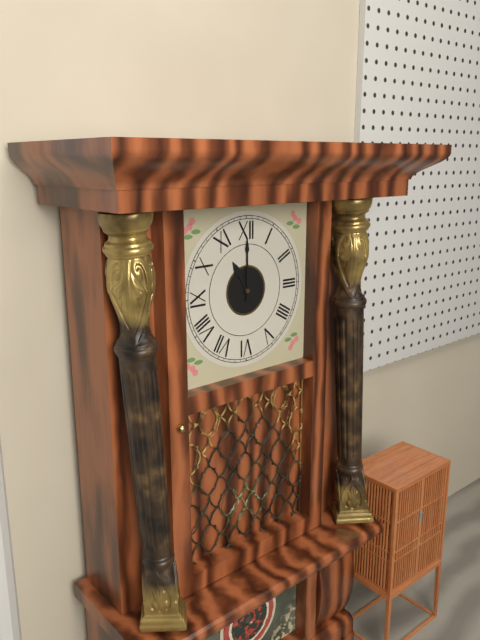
11h00
